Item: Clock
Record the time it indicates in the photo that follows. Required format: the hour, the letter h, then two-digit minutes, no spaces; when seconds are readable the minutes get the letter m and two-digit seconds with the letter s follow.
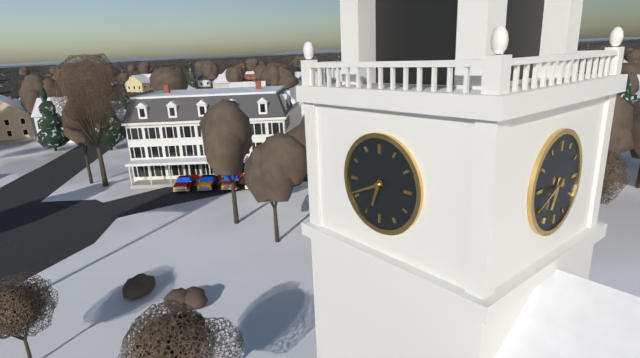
6h41
